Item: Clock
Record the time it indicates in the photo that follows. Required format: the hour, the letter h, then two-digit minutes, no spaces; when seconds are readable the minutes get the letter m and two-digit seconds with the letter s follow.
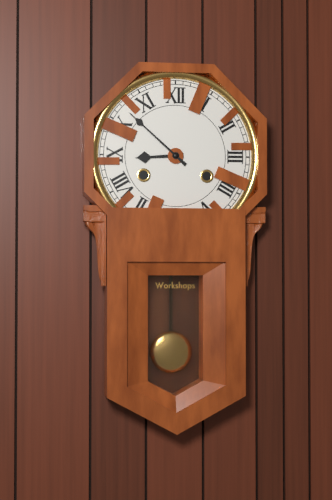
8h52
